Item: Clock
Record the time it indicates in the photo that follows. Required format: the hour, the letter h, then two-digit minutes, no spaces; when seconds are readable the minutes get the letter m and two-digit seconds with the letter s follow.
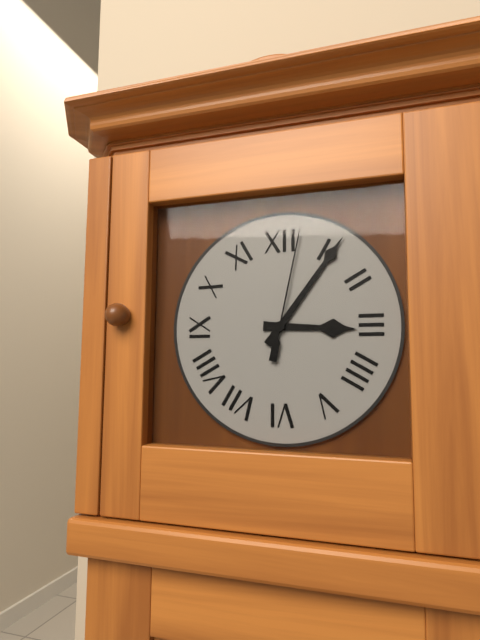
3h06m02s
